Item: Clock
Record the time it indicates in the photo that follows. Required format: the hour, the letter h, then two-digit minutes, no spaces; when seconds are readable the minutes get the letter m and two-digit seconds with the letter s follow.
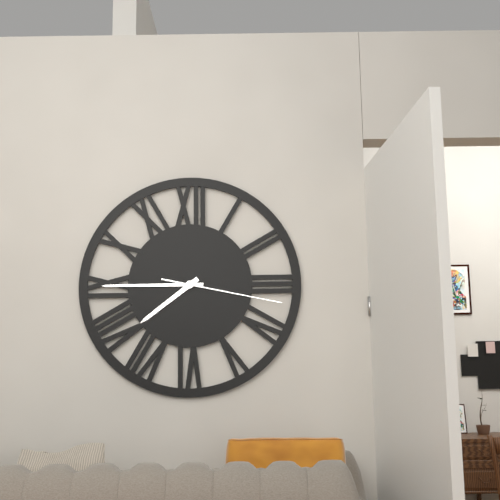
7h45m17s
